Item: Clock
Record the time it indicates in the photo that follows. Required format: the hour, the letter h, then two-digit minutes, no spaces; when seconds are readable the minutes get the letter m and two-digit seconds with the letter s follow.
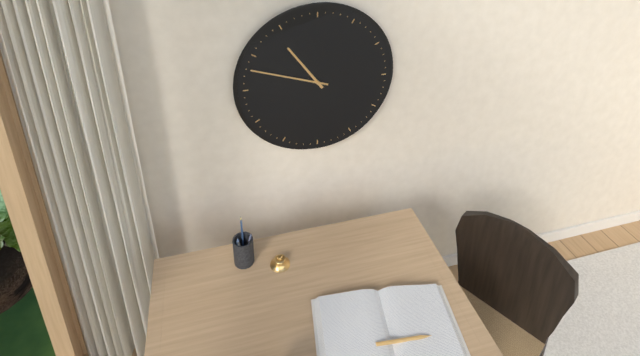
10h48
